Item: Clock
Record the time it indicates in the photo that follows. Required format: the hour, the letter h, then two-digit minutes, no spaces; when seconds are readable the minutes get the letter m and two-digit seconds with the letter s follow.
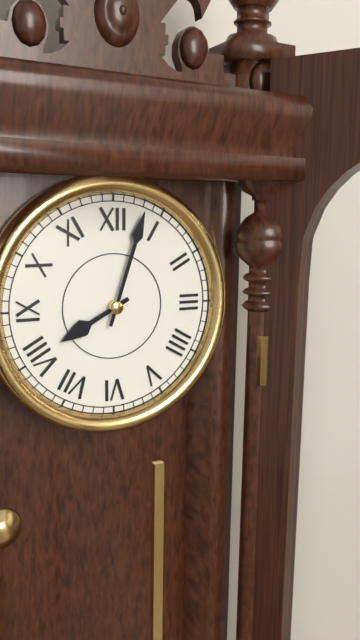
8h03
